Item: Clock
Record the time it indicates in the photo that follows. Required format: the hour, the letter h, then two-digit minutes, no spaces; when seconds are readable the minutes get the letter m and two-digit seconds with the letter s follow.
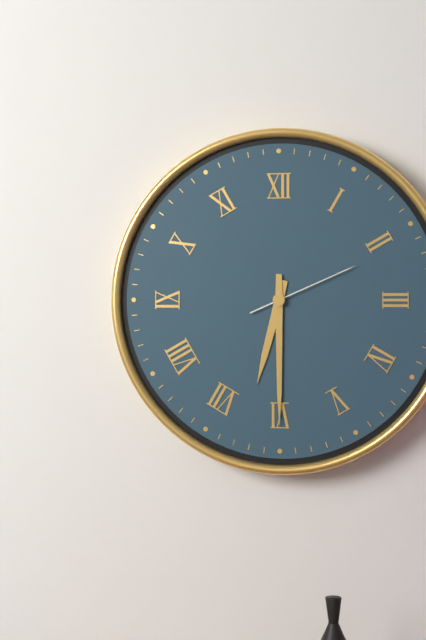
6h30m11s
